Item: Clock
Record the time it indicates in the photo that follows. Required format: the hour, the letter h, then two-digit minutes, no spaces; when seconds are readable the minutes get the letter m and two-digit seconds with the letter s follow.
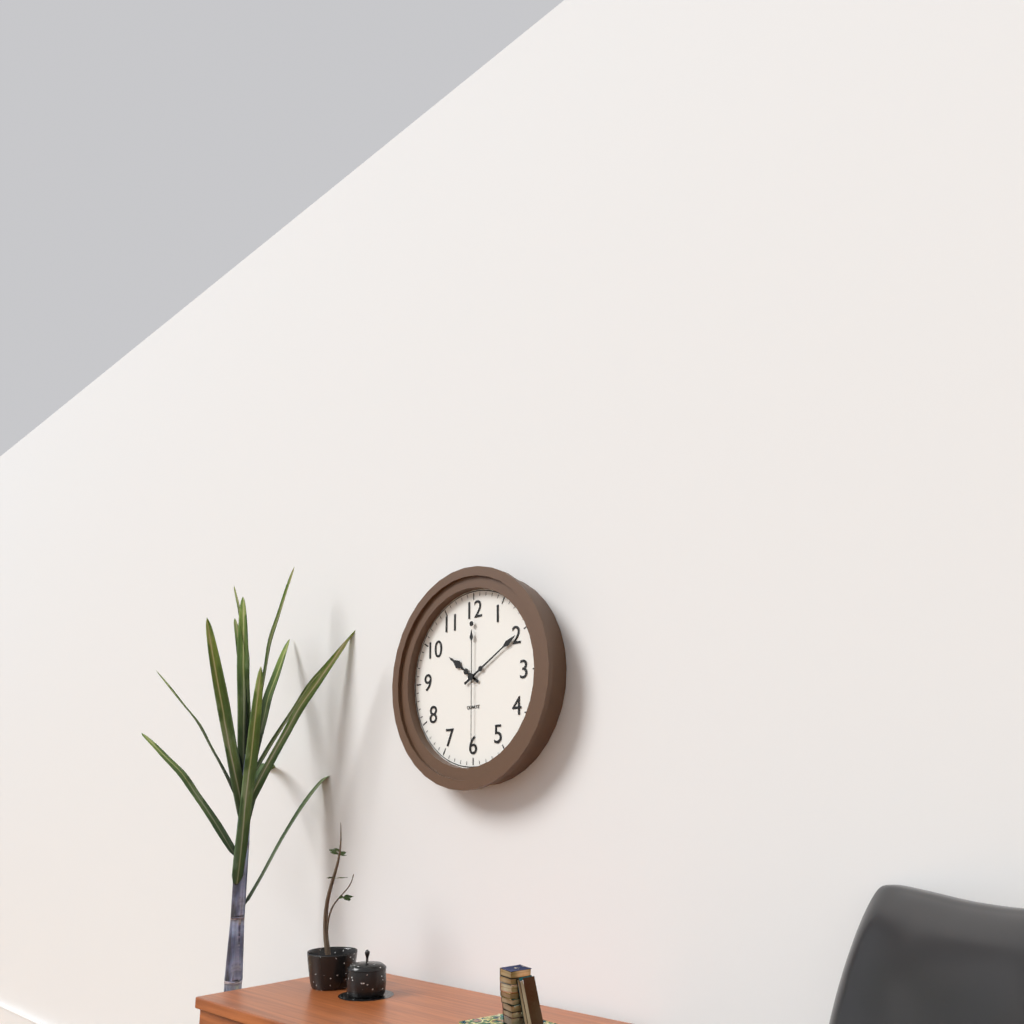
10h10m30s
